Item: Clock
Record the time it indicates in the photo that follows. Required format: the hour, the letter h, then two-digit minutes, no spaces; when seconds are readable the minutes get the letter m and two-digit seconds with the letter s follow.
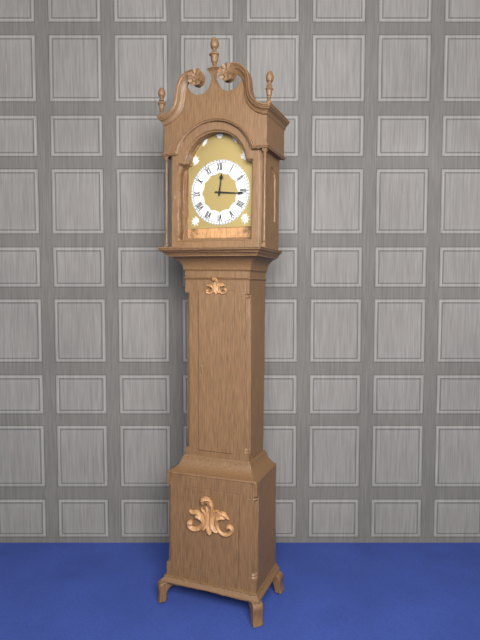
12h16
